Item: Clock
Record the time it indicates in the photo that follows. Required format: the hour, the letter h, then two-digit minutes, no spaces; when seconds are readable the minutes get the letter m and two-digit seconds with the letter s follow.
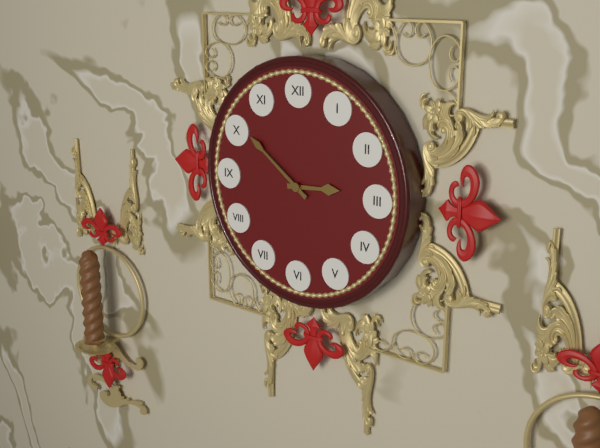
2h51
